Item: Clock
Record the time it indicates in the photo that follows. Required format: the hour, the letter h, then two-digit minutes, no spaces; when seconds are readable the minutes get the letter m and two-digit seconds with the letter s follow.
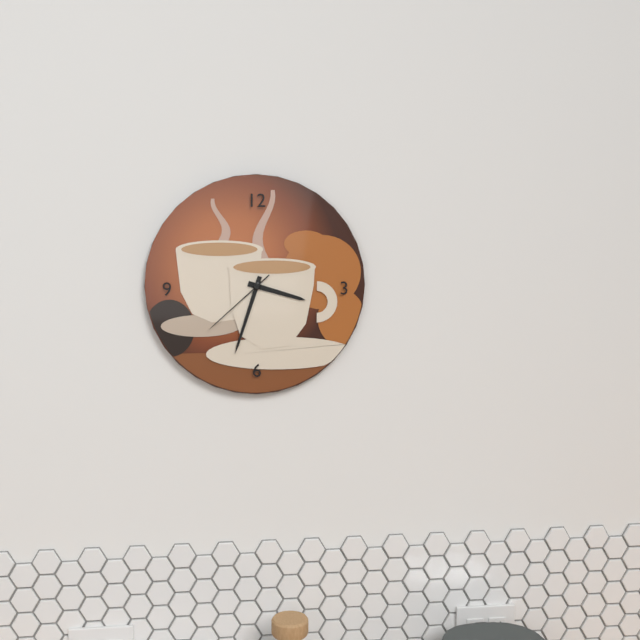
3h33m38s
